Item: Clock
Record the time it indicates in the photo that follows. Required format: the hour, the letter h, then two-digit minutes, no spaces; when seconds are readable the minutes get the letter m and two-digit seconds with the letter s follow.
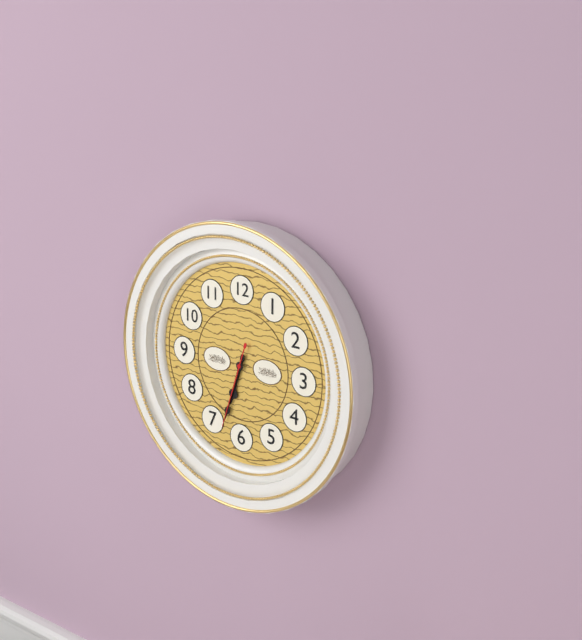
6h33m33s
